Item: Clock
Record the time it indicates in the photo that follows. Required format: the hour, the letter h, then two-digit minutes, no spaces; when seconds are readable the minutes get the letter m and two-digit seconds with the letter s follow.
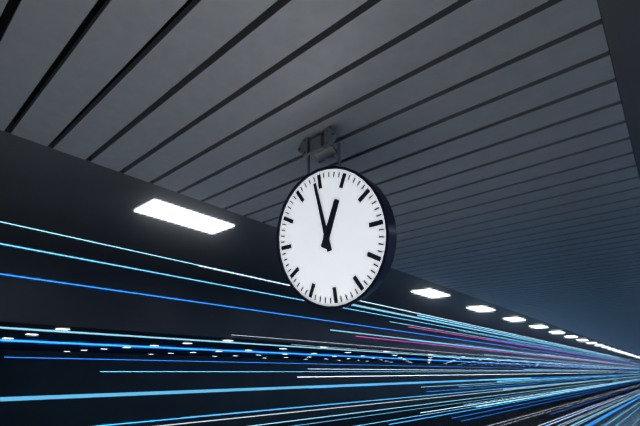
12h59
